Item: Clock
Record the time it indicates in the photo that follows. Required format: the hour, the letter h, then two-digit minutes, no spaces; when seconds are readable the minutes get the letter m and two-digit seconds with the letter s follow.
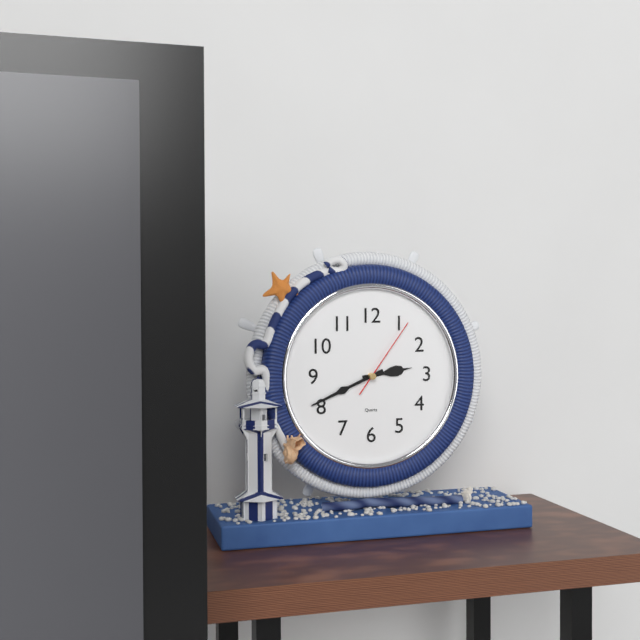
2h41m06s
